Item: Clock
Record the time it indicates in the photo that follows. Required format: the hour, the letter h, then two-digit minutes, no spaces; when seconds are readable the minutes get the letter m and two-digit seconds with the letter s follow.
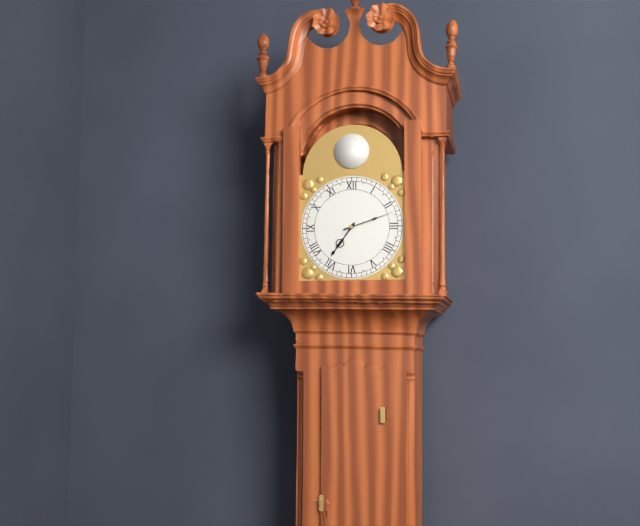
7h12
